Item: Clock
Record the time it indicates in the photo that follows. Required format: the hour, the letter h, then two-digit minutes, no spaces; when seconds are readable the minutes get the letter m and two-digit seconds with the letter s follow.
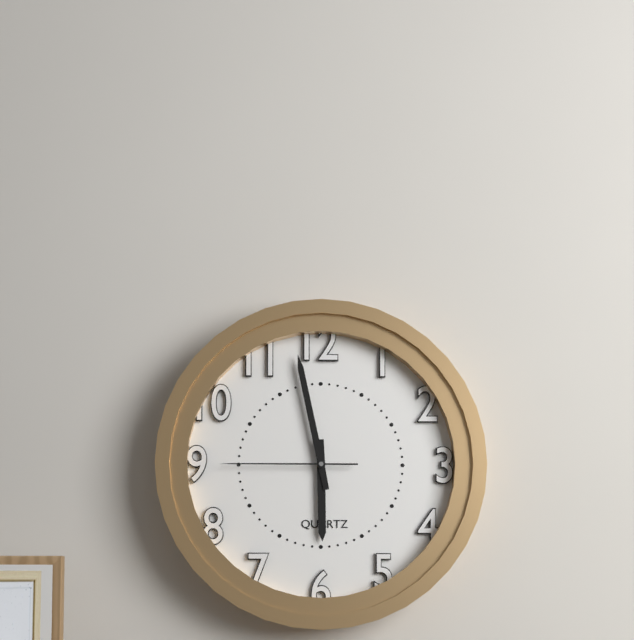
5h58m45s
